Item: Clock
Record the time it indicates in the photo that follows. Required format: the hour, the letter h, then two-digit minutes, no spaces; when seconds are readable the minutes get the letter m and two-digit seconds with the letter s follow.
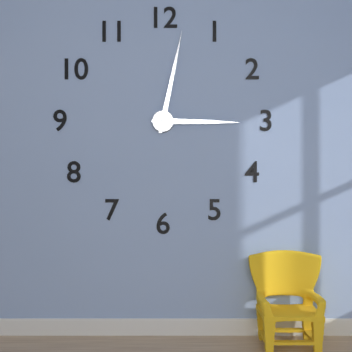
3h02
